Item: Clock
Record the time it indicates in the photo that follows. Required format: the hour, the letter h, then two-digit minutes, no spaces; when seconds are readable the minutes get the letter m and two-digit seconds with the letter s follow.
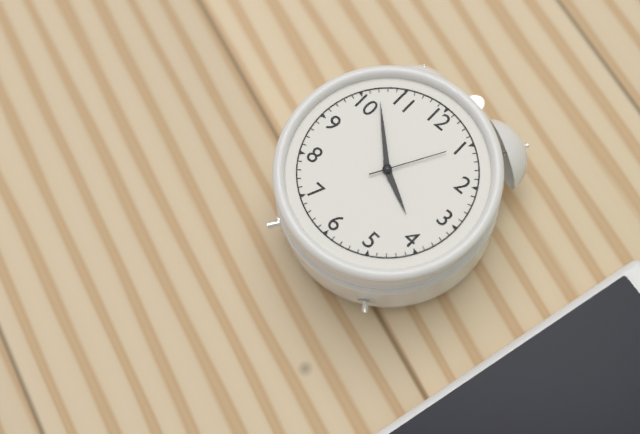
3h52m05s
